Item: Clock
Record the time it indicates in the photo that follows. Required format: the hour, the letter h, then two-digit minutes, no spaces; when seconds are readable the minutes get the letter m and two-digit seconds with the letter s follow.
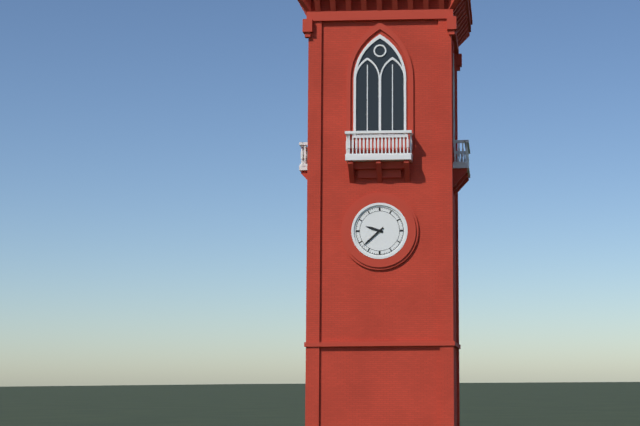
9h38
